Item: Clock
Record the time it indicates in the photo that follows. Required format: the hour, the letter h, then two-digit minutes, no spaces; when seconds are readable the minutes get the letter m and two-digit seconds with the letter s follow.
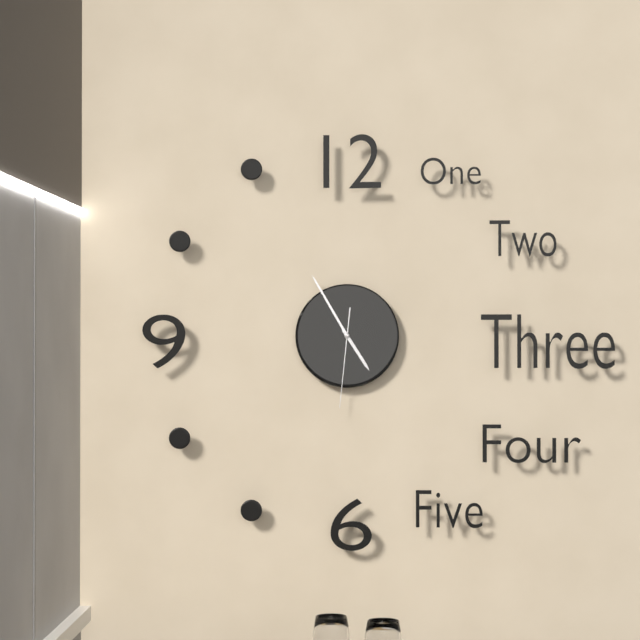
4h55m31s
